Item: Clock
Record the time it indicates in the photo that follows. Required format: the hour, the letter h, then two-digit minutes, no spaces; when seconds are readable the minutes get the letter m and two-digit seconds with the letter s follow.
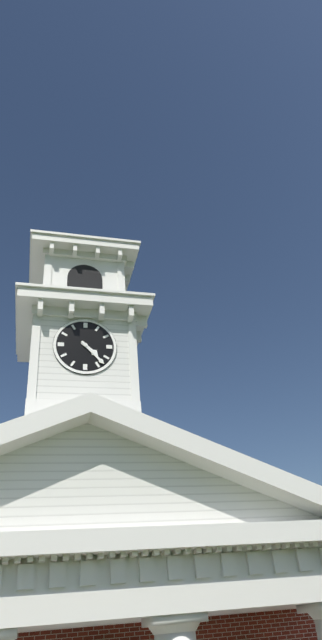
4h23
